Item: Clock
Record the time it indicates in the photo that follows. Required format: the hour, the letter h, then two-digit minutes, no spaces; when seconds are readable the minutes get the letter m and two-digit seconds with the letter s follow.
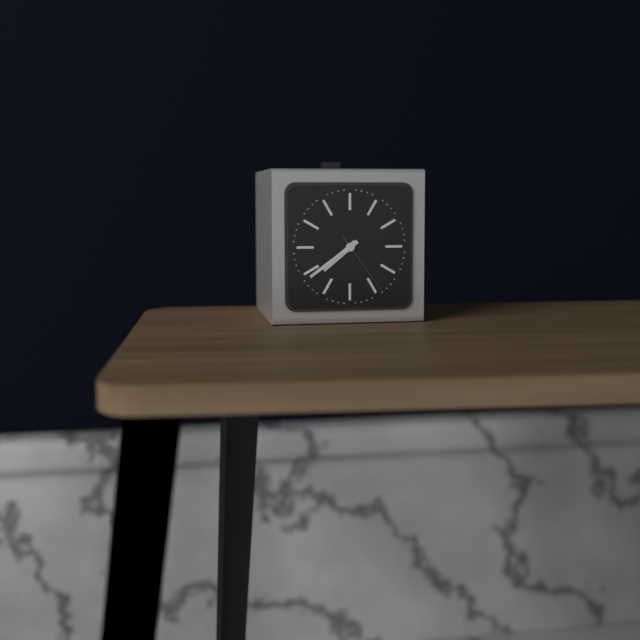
7h39m24s
